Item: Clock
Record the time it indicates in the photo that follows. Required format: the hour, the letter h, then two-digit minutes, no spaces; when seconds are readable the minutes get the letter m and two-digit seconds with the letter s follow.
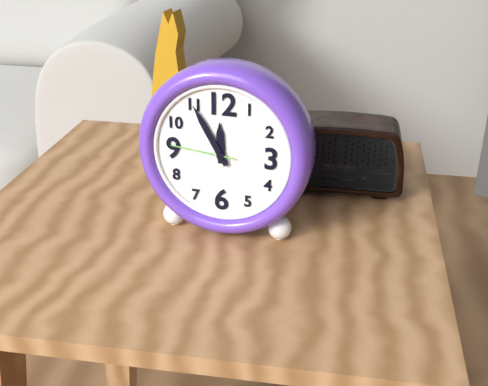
11h55m46s
